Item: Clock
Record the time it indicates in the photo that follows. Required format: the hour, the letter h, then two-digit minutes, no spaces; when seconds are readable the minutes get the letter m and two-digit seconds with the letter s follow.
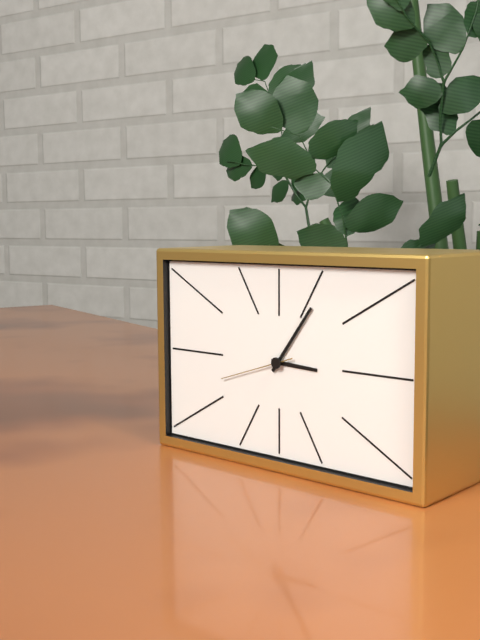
3h06m42s
